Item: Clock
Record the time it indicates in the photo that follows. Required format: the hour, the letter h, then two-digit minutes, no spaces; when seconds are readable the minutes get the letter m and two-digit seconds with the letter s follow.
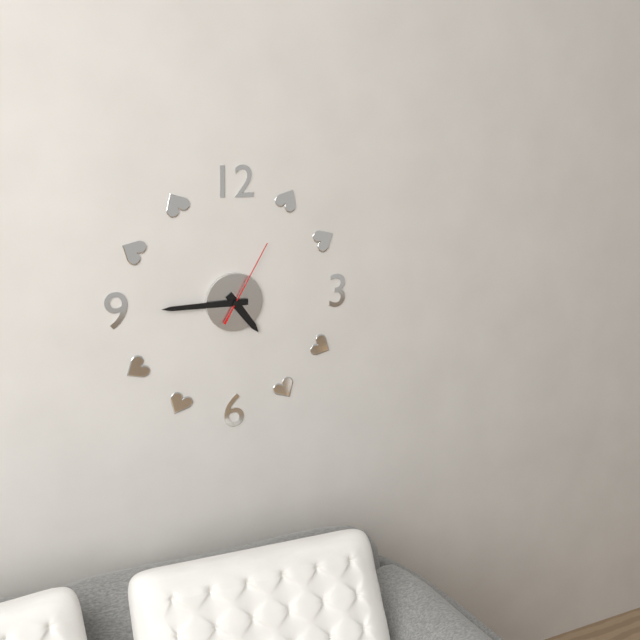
4h45m05s
